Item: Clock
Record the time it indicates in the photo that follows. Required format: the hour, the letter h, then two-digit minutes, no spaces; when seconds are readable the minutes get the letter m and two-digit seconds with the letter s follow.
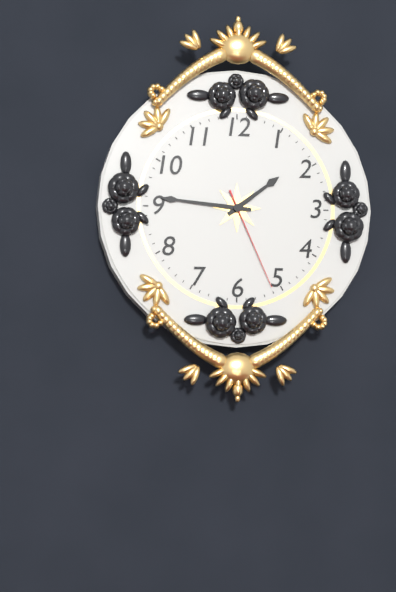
1h46m26s
